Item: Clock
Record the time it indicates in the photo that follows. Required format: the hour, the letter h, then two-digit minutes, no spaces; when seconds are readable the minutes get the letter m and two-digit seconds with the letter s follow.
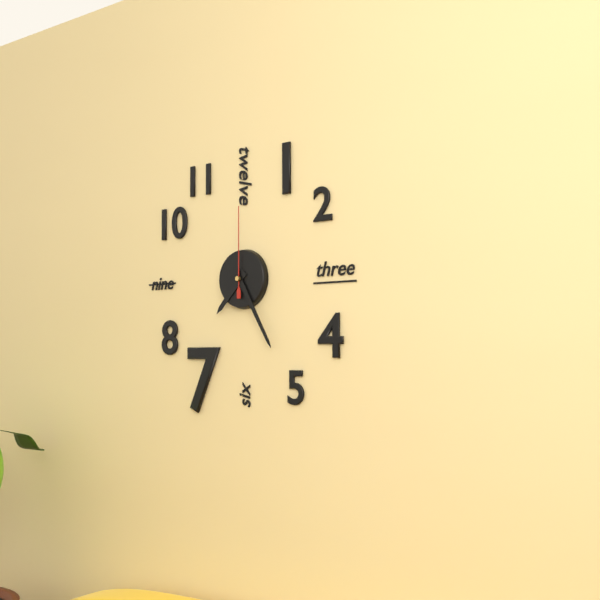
7h25m00s
